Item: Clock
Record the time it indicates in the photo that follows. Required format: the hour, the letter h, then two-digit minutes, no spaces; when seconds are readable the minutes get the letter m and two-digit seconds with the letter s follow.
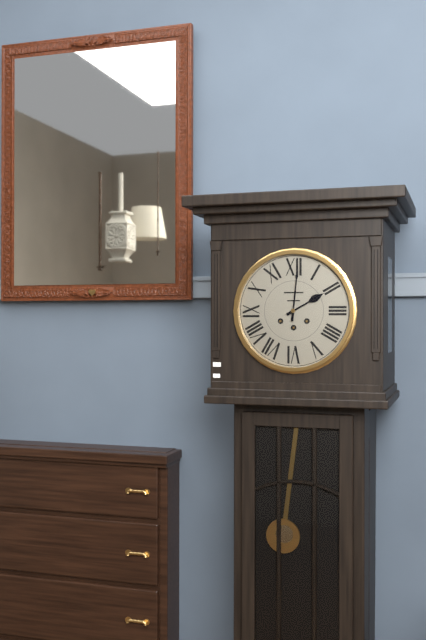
2h01
